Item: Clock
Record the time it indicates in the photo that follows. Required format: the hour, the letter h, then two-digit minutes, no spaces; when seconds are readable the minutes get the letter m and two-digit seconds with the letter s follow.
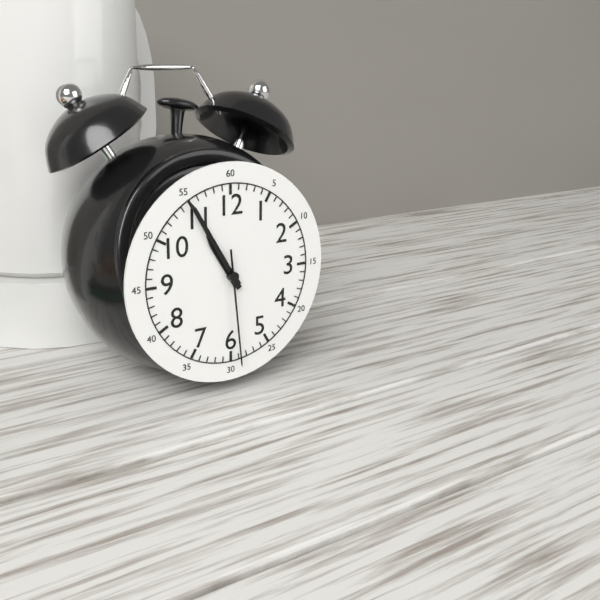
10h55m29s
